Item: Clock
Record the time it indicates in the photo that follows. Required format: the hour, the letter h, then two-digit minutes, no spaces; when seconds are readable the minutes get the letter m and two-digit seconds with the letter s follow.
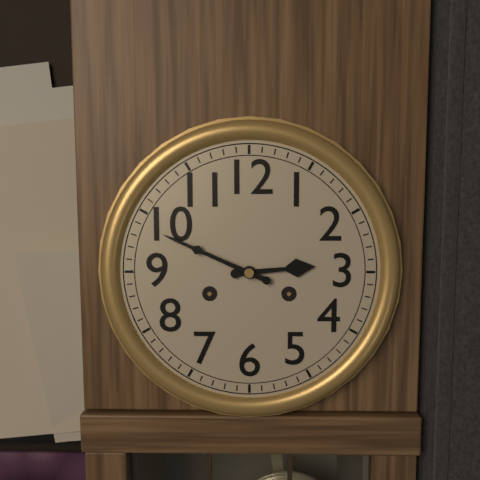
2h49
